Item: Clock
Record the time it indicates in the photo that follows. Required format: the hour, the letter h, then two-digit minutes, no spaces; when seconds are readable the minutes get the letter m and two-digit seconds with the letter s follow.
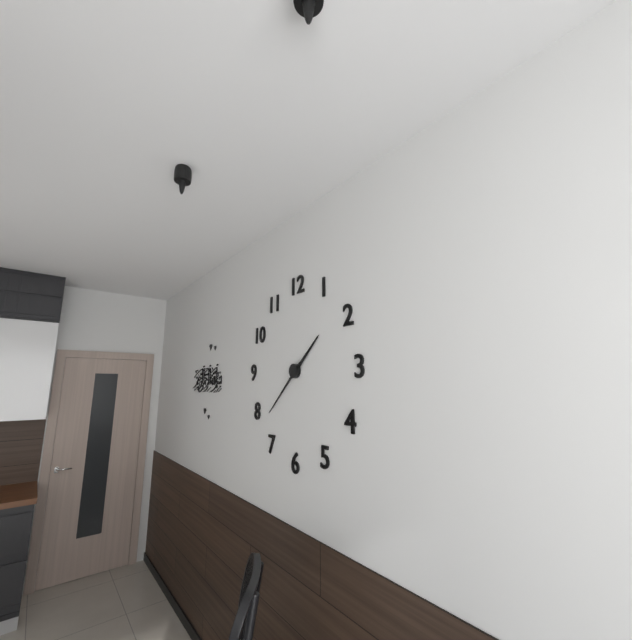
1h38
